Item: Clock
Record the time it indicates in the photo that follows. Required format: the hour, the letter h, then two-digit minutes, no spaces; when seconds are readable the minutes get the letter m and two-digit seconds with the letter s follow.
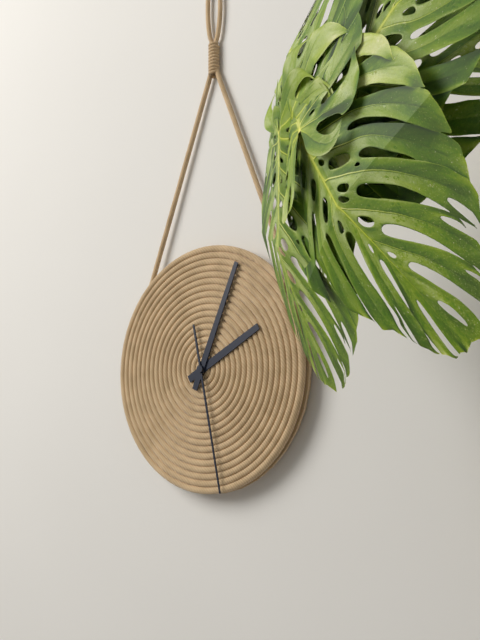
2h04m28s
